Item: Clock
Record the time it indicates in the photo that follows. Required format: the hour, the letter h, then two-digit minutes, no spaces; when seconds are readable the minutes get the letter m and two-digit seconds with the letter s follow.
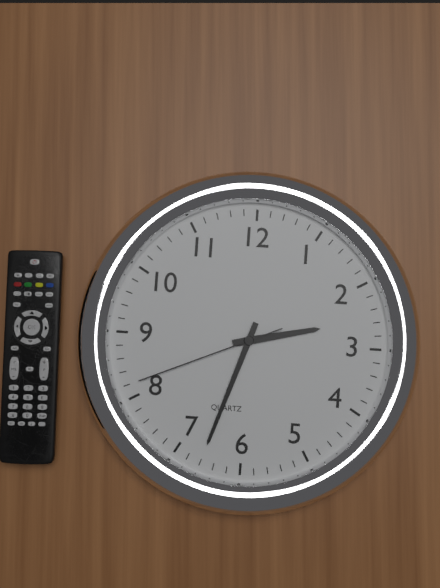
2h33m41s
